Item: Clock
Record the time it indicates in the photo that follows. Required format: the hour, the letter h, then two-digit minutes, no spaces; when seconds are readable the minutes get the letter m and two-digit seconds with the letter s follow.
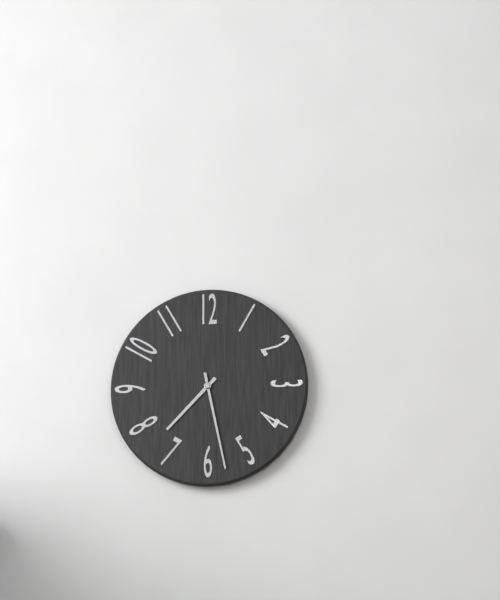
7h28
